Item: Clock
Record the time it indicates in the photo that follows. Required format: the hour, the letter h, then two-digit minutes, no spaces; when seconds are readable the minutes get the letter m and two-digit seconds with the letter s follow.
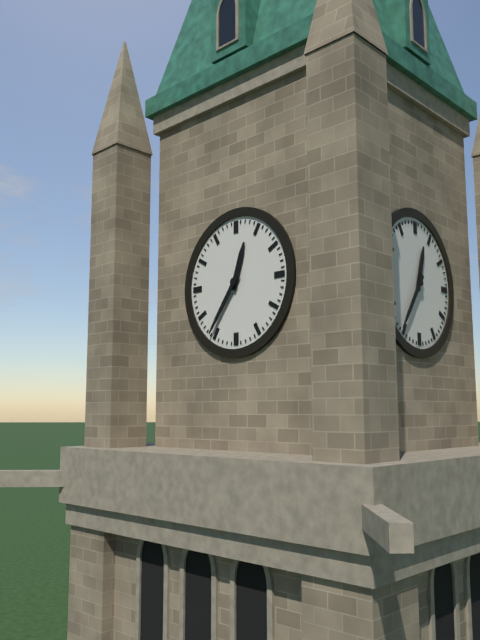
12h36
